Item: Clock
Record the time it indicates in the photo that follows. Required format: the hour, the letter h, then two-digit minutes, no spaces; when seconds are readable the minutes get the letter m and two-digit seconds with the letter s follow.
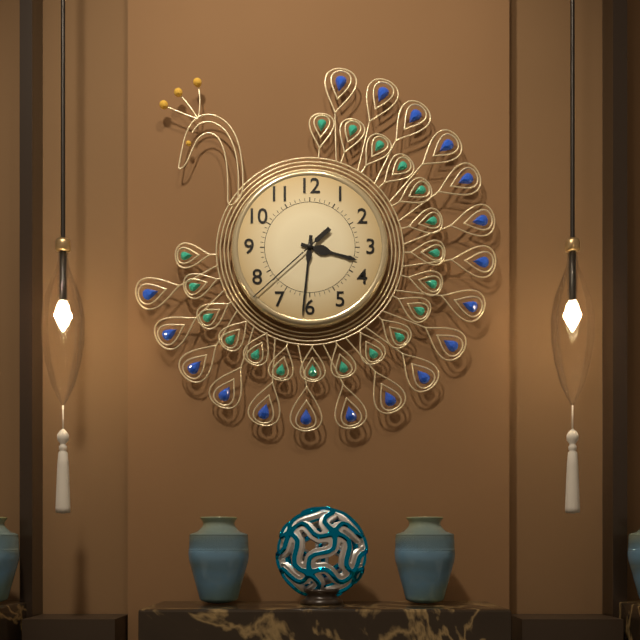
3h31m38s
